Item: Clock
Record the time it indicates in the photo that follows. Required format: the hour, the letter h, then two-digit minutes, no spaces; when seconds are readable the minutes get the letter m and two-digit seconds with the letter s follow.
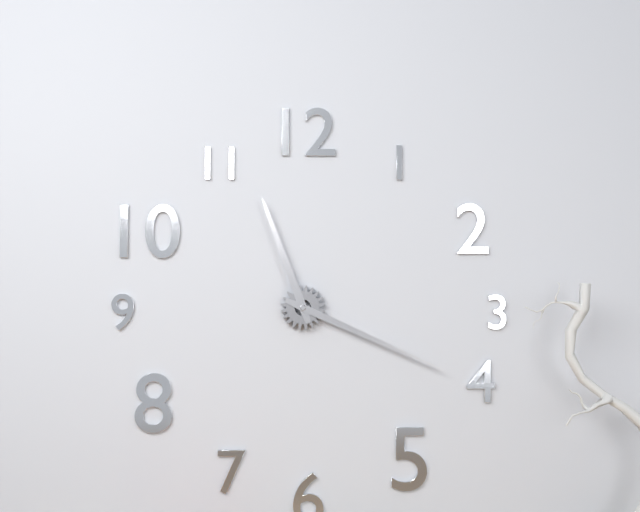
11h19
